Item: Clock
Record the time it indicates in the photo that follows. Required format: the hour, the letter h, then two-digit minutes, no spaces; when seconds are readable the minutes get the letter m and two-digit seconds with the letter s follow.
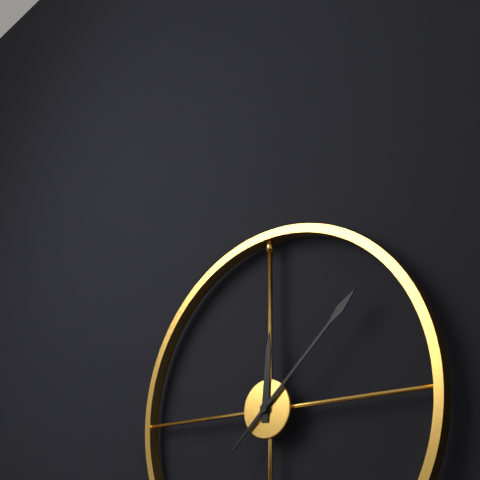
12h08
